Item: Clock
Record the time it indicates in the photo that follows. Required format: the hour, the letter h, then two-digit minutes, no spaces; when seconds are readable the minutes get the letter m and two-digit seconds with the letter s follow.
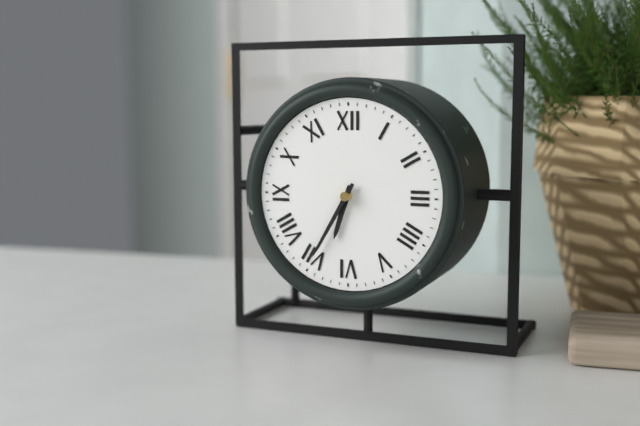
6h35
